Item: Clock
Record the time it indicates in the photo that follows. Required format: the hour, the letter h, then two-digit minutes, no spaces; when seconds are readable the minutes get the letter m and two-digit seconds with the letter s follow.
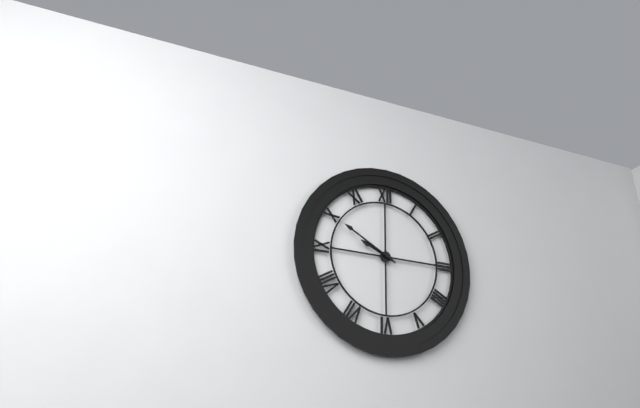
9h50
